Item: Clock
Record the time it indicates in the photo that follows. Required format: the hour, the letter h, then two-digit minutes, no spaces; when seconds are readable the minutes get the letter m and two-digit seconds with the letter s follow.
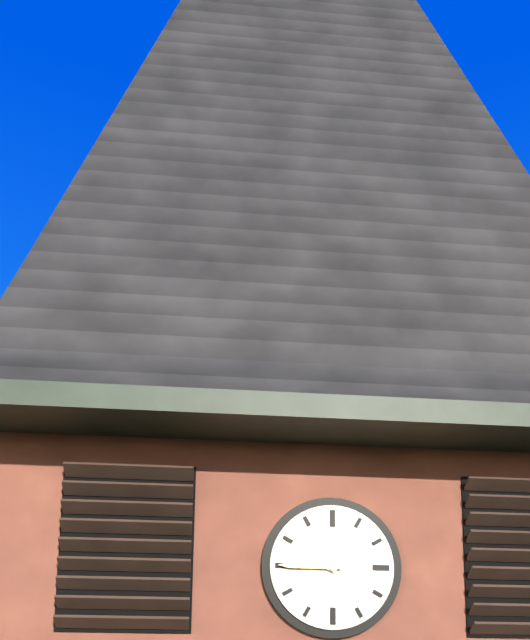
12h45
